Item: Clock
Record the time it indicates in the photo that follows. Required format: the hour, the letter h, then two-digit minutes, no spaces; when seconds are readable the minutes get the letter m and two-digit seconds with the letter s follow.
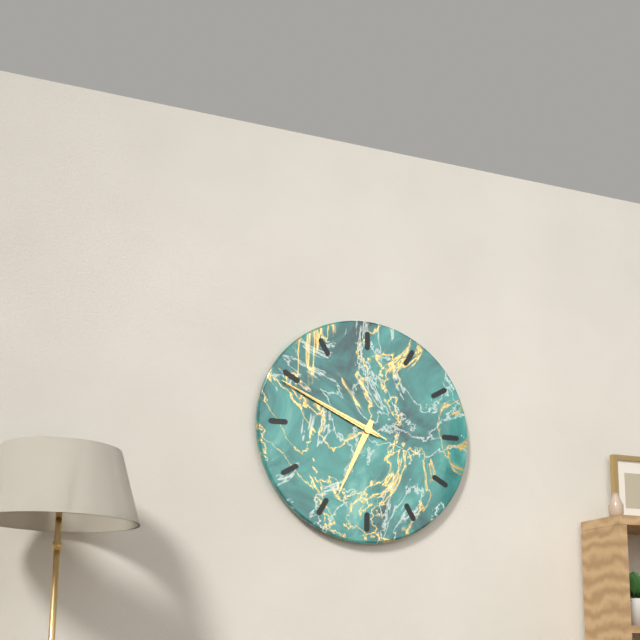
6h49m49s
